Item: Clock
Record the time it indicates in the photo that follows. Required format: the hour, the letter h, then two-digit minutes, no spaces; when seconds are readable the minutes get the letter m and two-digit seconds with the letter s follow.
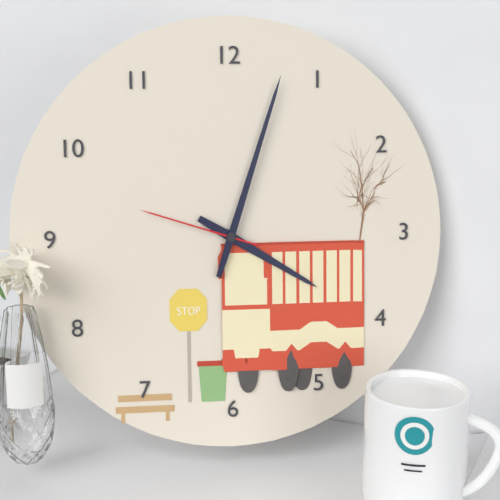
4h03m48s
